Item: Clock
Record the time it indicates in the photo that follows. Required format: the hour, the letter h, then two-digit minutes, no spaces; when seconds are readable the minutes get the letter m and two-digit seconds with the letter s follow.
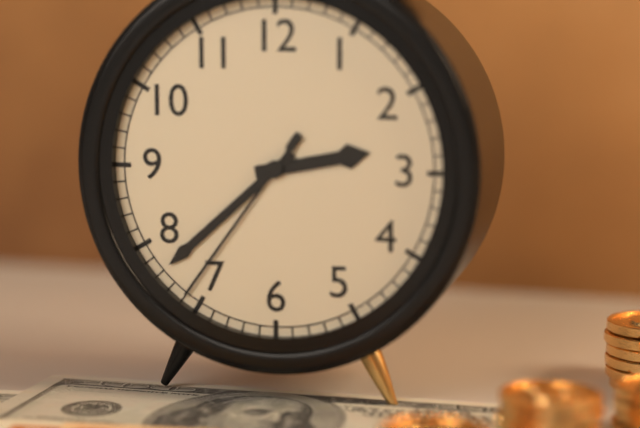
2h38m36s
